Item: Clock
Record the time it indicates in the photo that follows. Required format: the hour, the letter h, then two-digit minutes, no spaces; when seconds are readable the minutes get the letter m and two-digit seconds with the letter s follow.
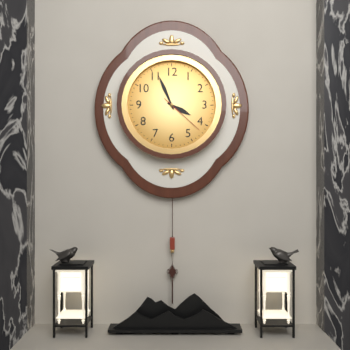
3h56
